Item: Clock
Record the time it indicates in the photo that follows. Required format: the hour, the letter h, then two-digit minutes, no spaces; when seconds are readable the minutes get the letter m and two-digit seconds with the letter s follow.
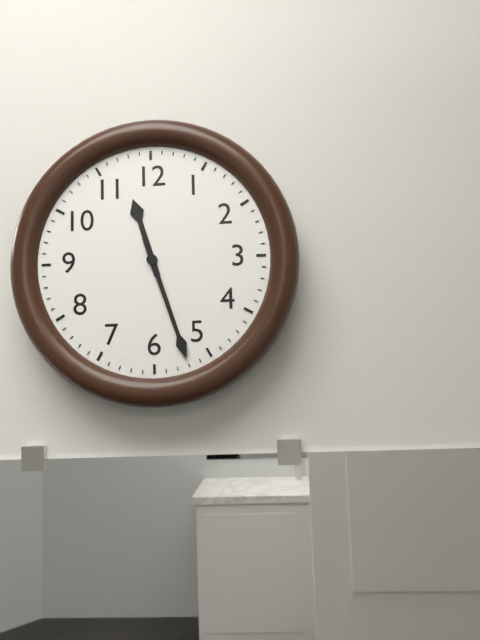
11h27
